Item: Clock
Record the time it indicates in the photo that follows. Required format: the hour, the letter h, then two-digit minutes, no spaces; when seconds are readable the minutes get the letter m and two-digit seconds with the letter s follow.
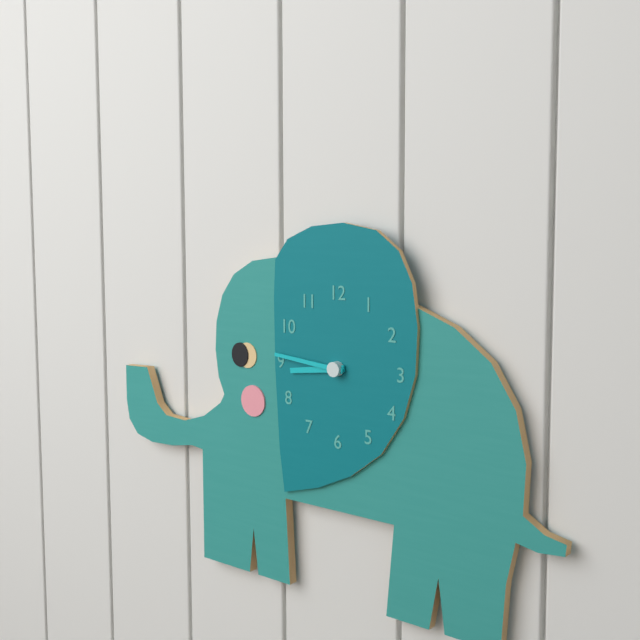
8h46
